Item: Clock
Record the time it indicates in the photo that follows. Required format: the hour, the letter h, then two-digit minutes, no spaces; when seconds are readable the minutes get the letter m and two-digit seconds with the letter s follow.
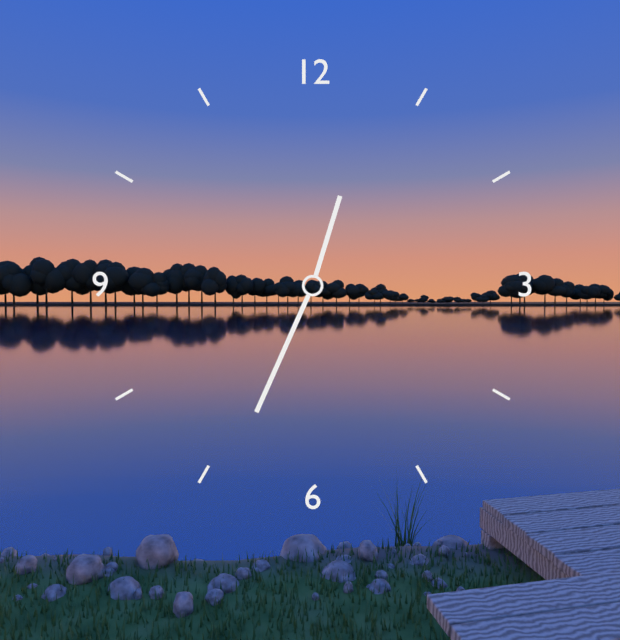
12h34
